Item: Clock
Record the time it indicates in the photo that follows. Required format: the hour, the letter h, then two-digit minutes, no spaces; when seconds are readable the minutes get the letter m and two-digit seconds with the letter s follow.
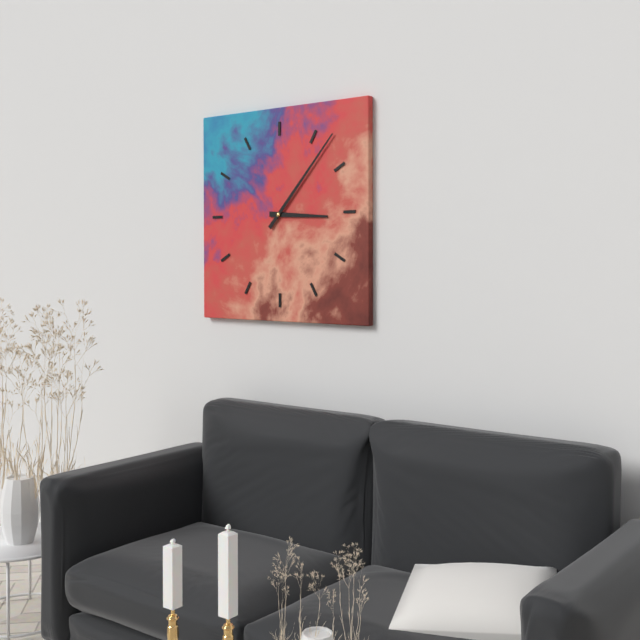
3h07
